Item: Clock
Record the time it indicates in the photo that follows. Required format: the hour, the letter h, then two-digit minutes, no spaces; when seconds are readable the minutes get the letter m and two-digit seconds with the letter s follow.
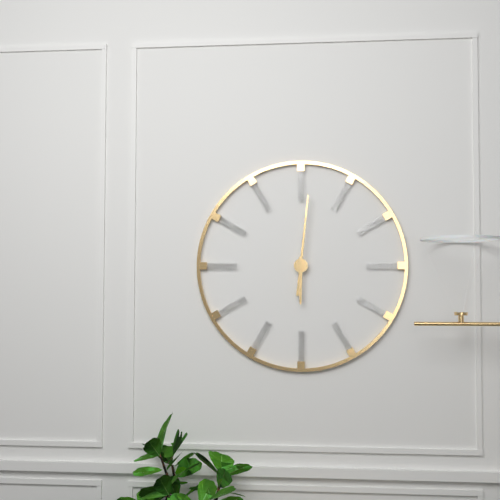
6h01
